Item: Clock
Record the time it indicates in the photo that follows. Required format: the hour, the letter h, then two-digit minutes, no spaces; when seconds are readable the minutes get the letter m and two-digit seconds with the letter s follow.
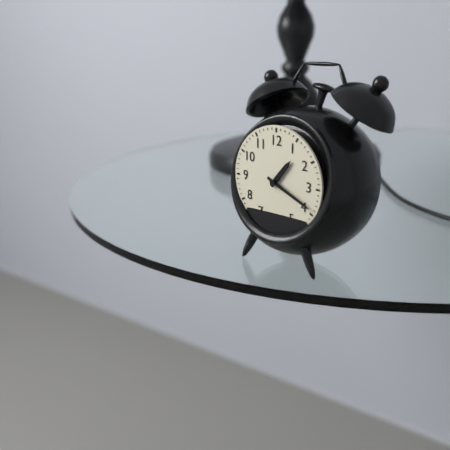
1h19
